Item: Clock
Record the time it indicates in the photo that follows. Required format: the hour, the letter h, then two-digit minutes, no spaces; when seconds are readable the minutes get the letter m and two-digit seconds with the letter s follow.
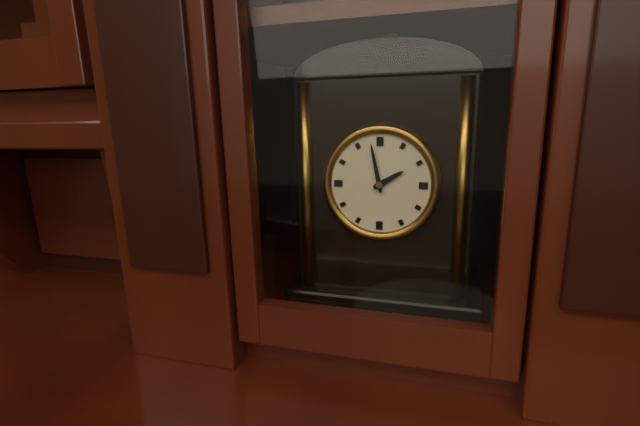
1h58
